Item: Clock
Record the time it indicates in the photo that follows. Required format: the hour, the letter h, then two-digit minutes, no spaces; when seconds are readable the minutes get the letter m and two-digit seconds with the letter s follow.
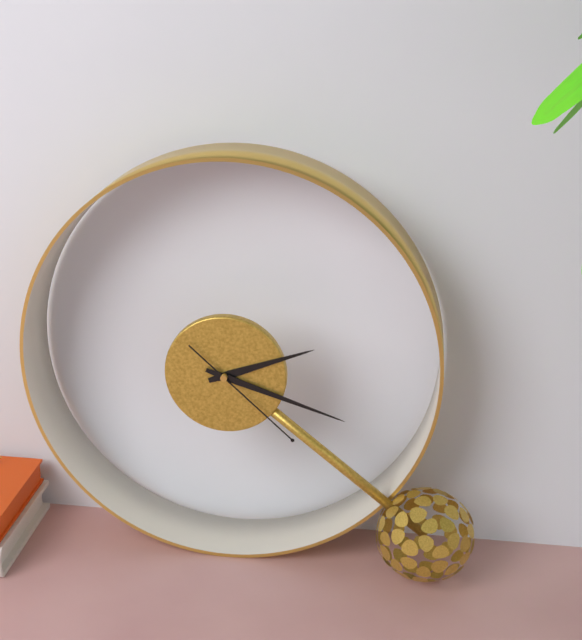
2h18m22s
